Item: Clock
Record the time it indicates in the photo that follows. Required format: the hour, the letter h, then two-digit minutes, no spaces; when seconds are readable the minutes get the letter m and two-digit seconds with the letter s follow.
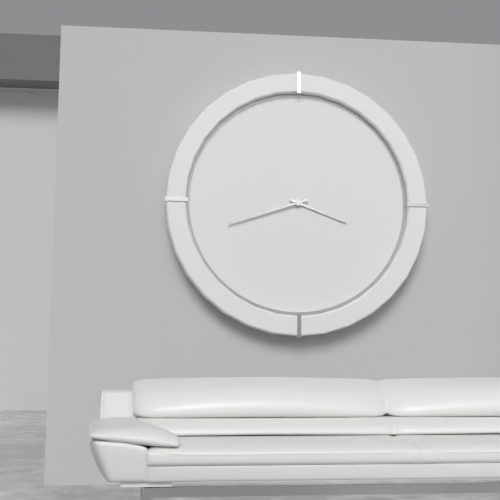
3h42
